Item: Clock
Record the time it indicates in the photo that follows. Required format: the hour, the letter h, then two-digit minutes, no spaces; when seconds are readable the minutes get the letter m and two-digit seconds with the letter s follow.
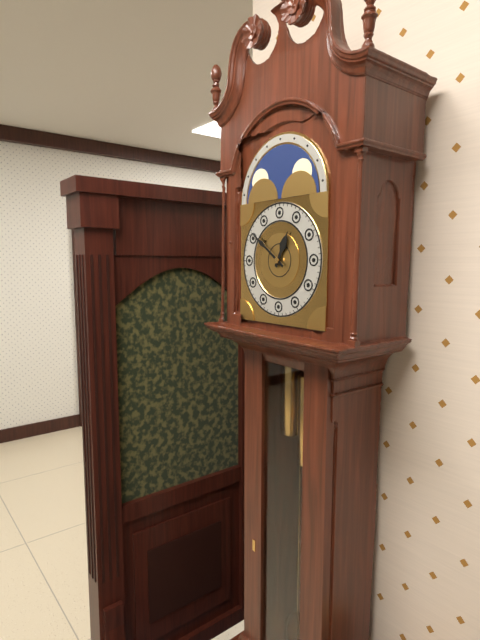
12h51
